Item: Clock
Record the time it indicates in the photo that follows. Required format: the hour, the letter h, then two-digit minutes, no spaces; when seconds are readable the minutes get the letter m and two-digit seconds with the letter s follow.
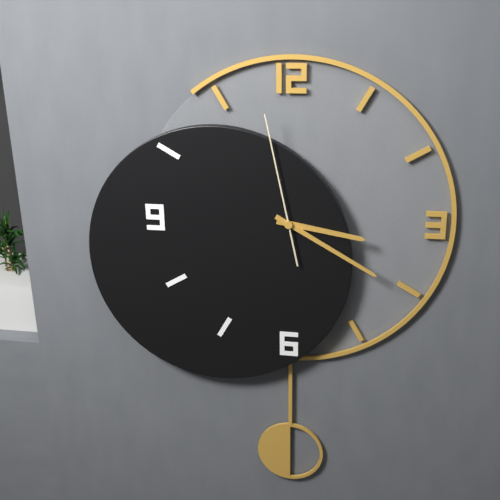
3h20m58s
